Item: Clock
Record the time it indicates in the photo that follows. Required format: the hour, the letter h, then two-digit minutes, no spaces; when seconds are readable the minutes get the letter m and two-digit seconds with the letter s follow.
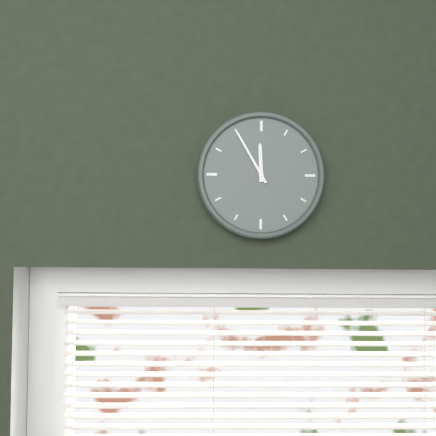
11h55
